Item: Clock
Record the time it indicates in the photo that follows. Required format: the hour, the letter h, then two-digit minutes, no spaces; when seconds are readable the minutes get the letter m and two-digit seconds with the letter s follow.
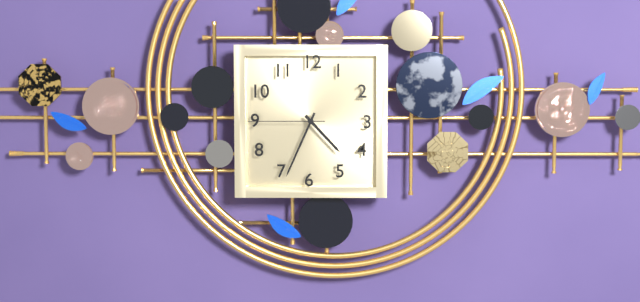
4h34m45s
